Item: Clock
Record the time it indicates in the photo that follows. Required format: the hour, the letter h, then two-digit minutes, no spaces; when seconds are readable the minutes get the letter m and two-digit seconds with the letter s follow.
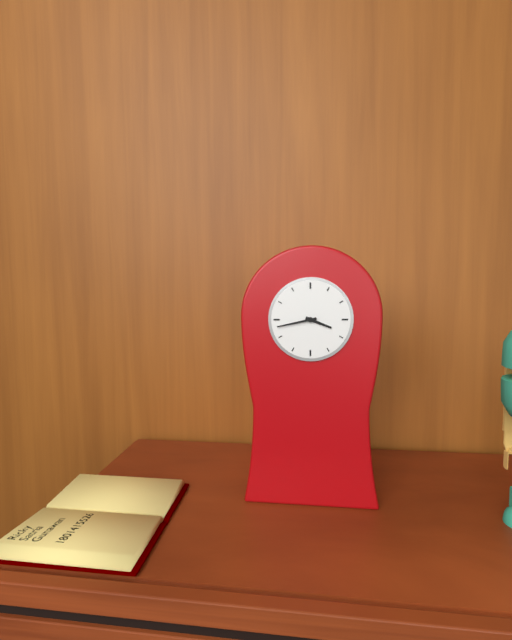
3h43
